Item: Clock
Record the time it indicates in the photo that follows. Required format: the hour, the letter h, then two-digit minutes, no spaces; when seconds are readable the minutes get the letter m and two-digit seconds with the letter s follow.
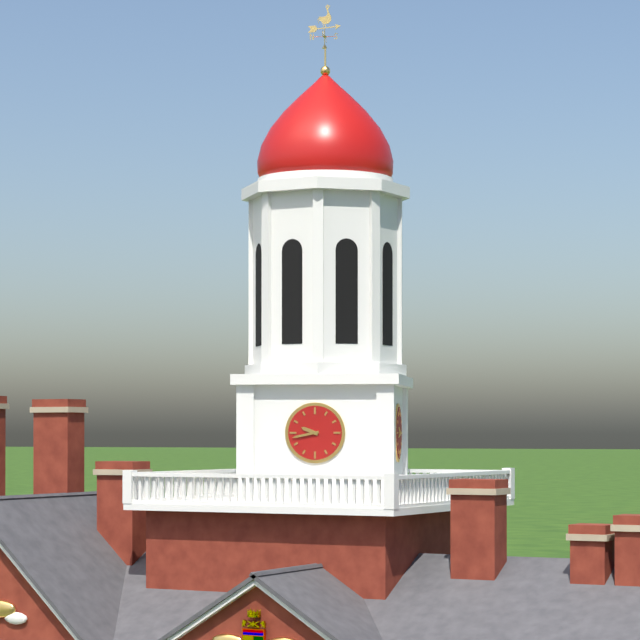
9h43
